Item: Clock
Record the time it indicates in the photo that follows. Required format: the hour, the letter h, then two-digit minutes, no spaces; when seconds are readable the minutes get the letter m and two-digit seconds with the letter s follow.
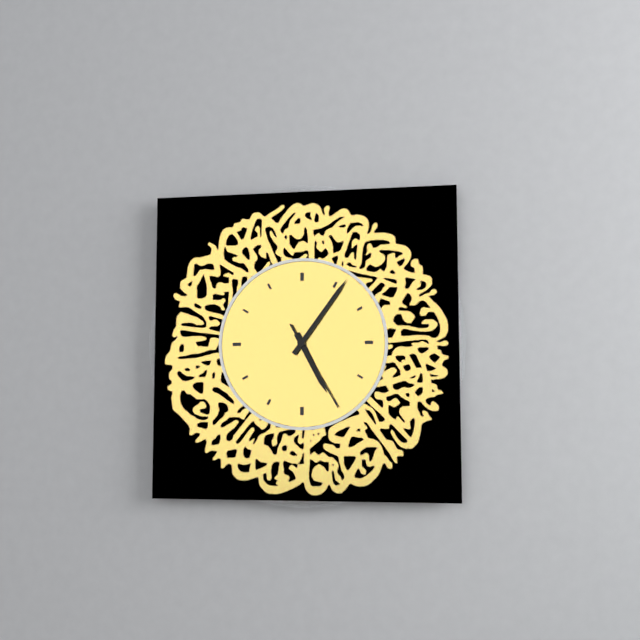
5h06m25s
